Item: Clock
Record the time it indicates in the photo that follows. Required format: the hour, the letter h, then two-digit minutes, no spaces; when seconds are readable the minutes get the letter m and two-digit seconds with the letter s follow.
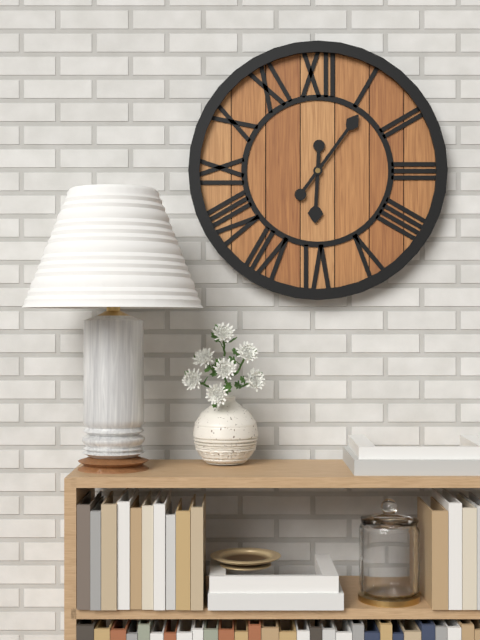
6h06
